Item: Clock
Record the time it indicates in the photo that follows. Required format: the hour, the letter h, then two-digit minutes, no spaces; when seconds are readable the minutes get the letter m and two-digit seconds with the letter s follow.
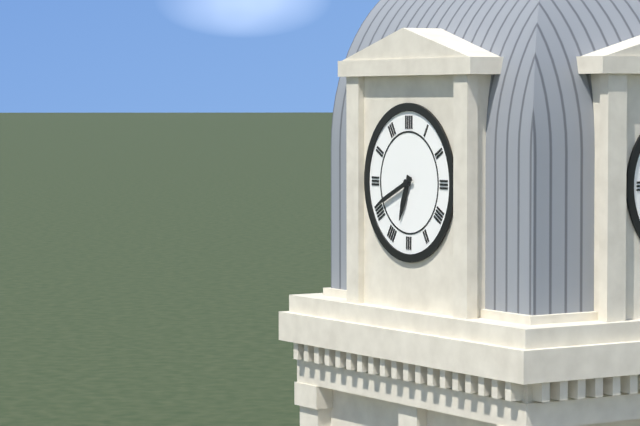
6h41
